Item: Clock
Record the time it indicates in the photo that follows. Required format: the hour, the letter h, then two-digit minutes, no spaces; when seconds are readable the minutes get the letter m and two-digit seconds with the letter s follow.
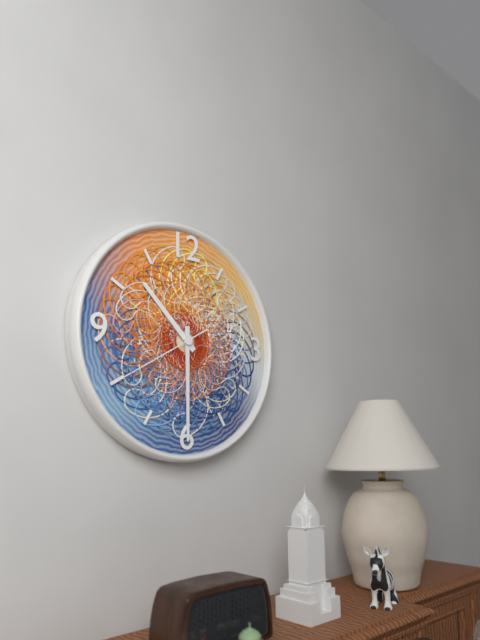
10h30m40s
